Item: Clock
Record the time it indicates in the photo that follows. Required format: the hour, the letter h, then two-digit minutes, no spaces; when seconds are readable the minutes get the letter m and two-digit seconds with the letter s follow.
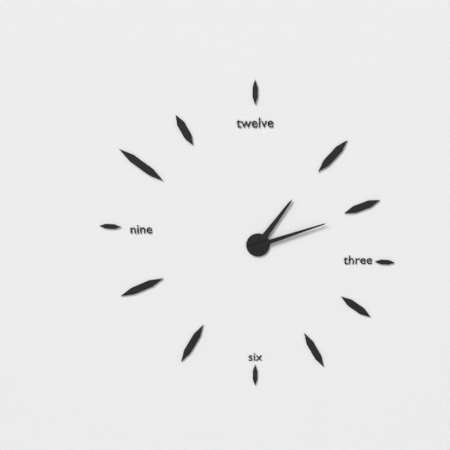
1h12
